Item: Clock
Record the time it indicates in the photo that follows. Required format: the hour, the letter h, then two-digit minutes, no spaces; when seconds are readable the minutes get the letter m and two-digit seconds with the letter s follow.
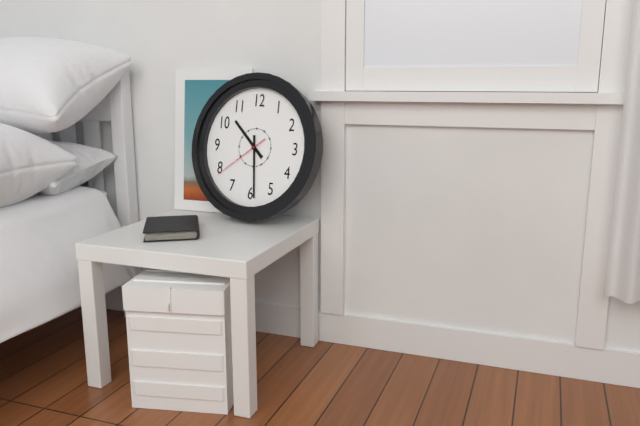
10h29m39s
